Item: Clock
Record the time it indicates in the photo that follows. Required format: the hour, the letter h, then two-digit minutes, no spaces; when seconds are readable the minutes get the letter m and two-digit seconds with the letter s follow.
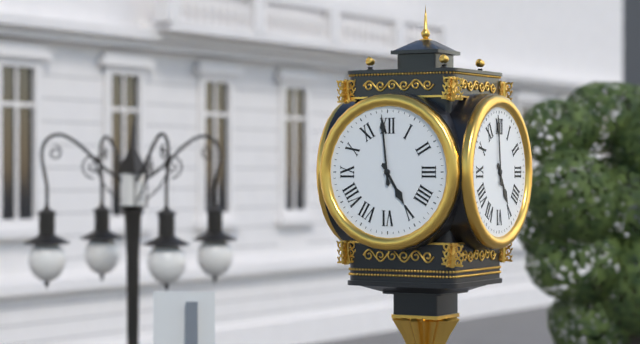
4h59
